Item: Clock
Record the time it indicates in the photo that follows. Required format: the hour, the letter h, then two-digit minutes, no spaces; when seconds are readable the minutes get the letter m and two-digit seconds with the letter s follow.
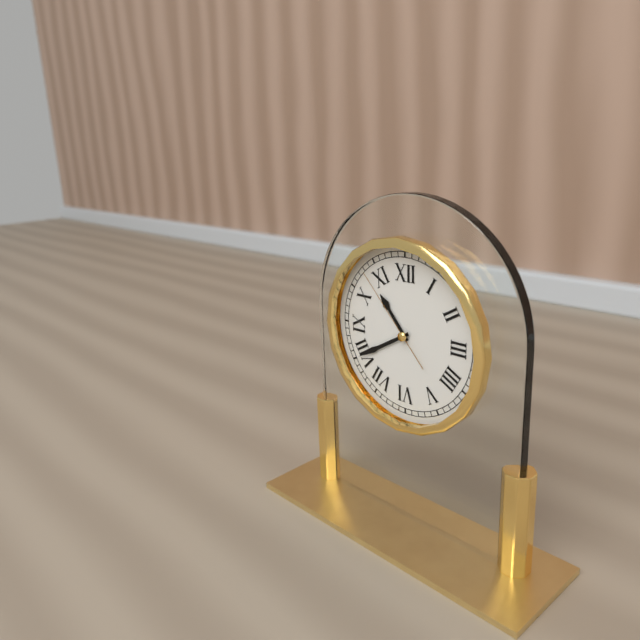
10h40m53s
